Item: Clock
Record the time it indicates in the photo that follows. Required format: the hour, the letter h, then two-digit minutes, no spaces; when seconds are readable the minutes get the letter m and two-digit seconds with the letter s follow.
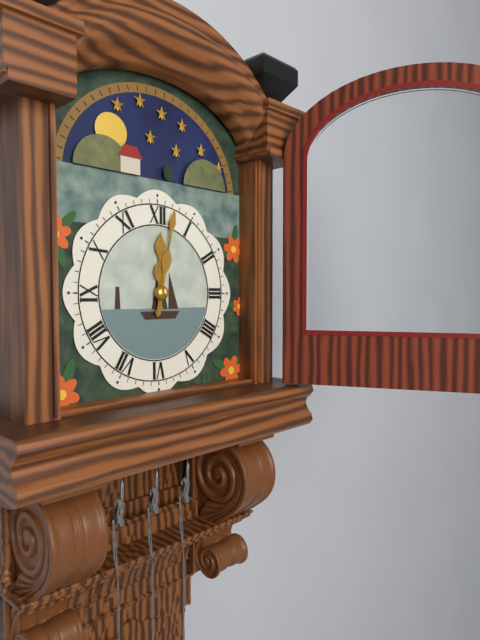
12h02
